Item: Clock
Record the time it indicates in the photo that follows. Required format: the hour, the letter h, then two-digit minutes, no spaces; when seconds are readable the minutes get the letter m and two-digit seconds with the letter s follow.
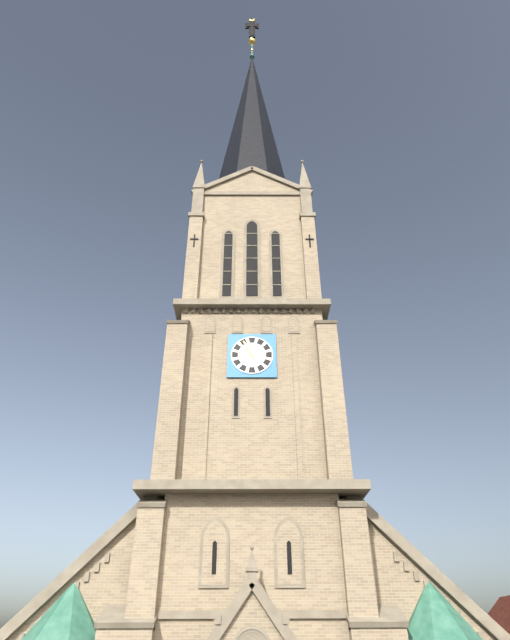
10h55
